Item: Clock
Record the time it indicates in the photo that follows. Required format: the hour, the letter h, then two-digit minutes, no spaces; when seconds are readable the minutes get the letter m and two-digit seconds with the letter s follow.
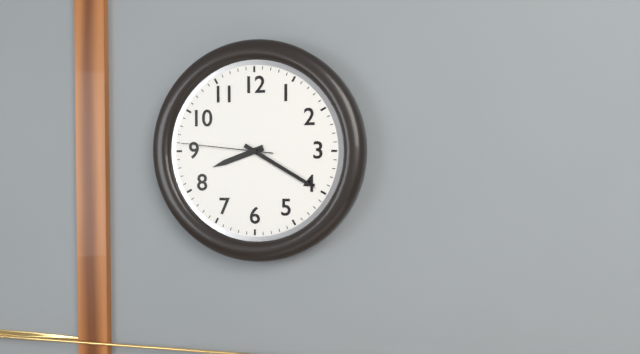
8h20m46s
